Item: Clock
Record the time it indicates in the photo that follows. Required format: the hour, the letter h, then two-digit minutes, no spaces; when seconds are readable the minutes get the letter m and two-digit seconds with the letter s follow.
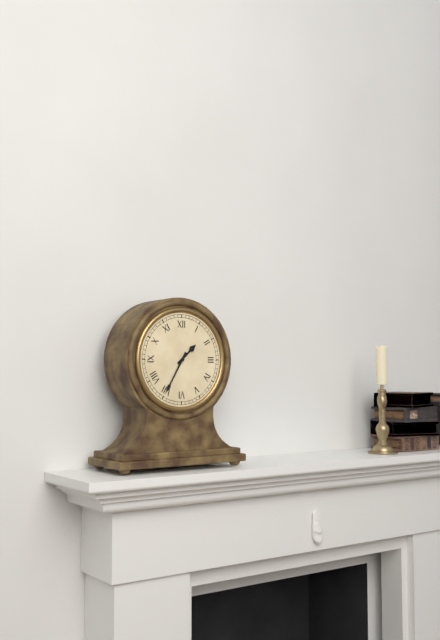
1h35
